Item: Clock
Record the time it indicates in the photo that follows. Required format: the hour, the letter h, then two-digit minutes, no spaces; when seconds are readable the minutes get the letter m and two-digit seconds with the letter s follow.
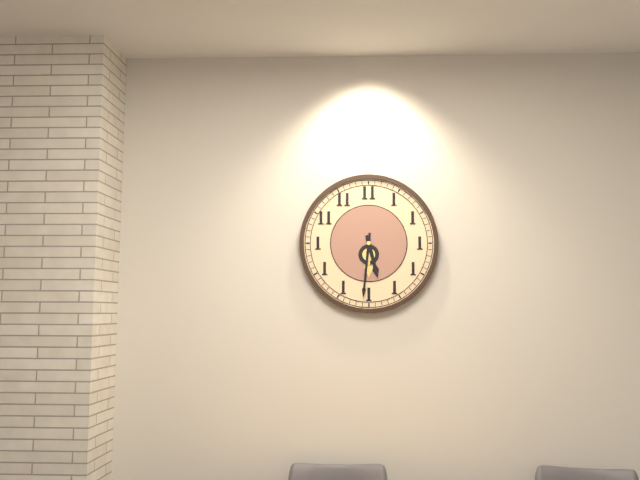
5h31
